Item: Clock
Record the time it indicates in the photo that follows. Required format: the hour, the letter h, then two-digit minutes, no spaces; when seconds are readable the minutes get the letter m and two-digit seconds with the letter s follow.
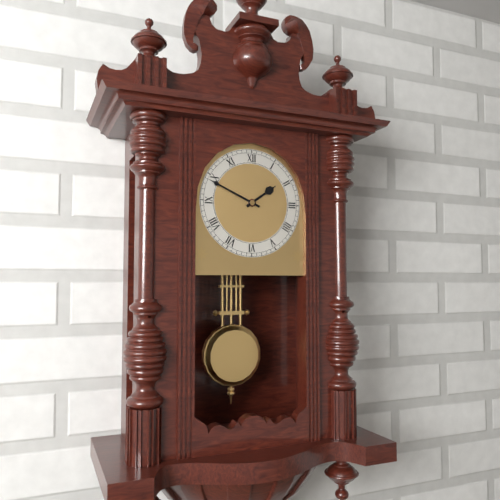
1h49
